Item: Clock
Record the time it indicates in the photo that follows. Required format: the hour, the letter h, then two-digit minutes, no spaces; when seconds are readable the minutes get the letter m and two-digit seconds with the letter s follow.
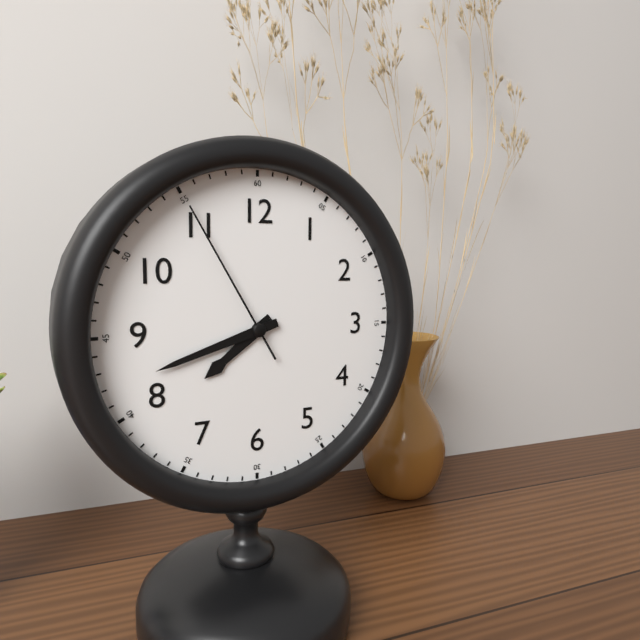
7h42m55s
